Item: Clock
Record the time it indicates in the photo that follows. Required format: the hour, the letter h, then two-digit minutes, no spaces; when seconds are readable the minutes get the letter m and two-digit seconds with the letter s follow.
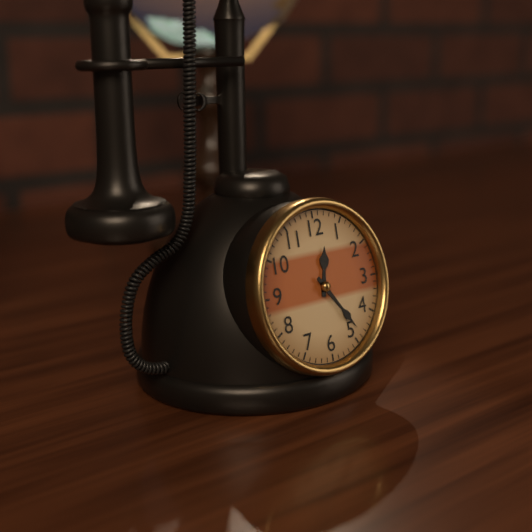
12h24
